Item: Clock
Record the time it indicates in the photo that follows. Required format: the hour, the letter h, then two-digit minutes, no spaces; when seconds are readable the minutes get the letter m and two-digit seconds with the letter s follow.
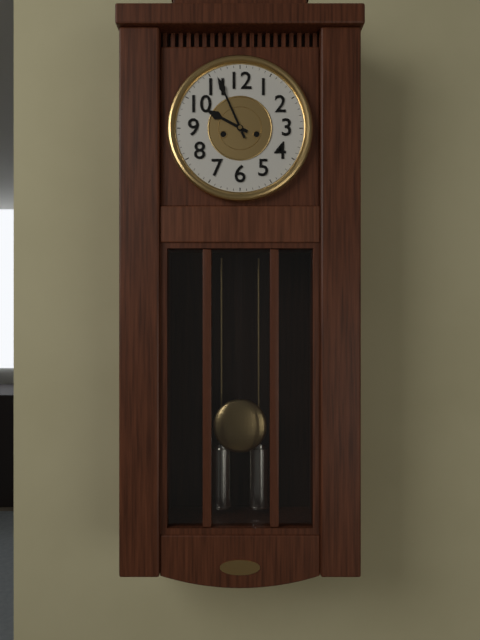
9h56
